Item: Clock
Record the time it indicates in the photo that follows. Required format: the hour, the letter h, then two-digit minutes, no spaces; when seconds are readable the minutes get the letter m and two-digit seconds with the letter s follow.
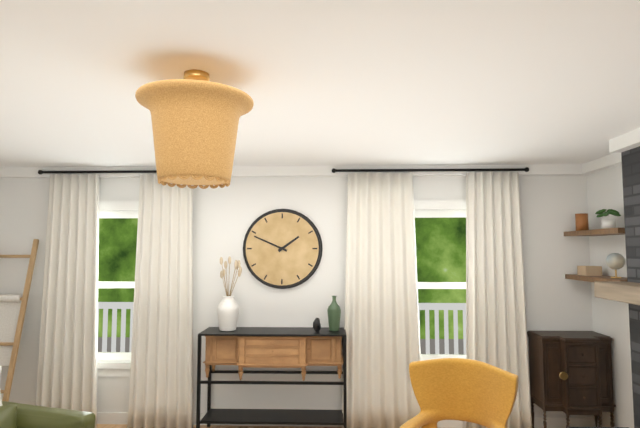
1h49
